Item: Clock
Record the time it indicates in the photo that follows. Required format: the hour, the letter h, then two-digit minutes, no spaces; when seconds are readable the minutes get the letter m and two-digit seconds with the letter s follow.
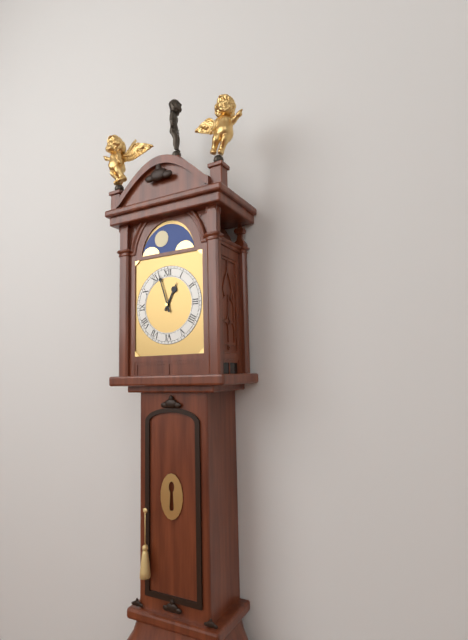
12h57
